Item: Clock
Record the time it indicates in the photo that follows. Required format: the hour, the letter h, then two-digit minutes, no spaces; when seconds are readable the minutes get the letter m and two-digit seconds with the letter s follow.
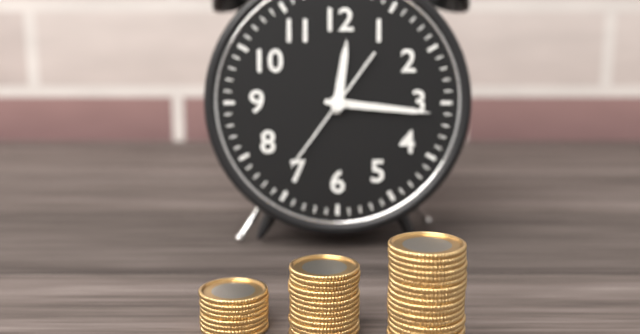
12h16m36s
